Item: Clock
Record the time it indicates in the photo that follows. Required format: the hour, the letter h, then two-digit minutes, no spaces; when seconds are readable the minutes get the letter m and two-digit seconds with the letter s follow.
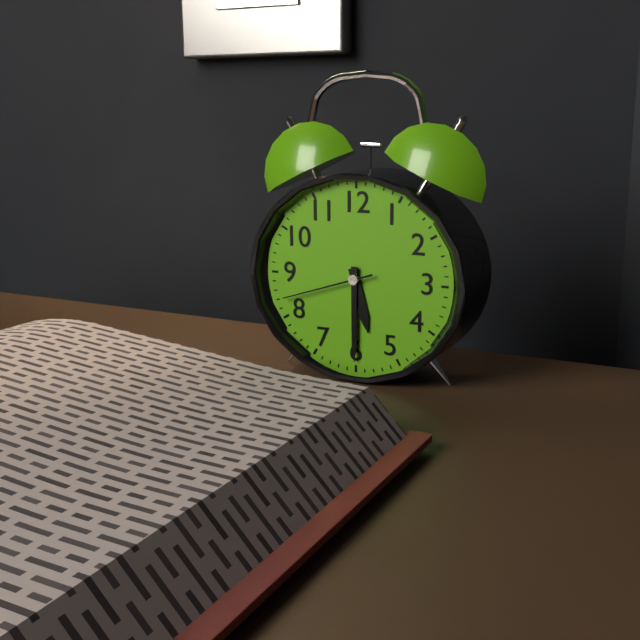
5h30m42s
